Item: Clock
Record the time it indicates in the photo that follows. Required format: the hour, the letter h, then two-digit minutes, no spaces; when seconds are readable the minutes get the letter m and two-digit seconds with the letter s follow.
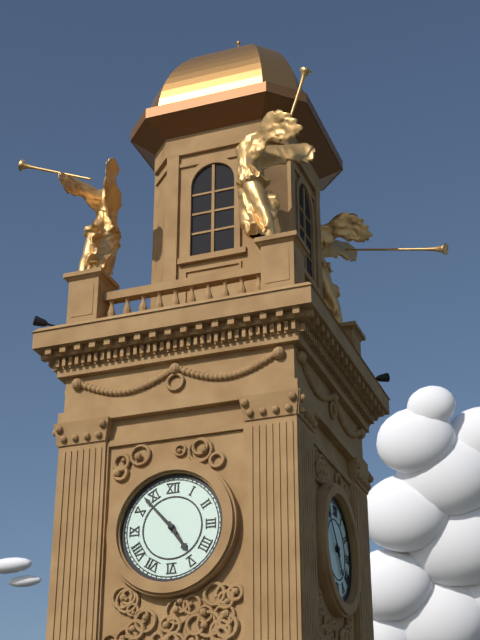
4h53
